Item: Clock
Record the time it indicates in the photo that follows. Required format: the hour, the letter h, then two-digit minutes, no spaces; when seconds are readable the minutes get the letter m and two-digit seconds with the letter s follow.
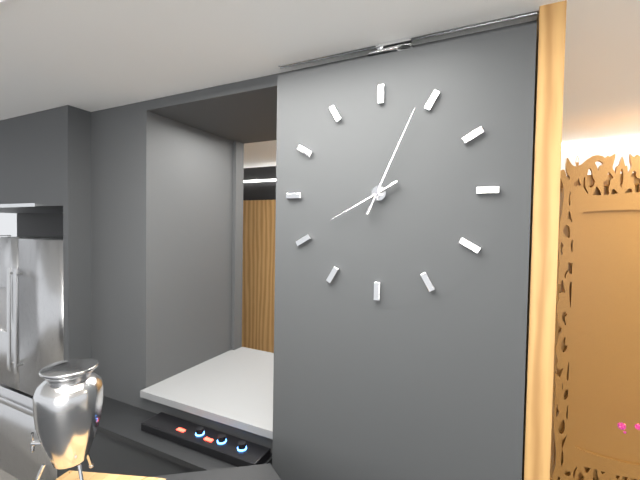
8h04
